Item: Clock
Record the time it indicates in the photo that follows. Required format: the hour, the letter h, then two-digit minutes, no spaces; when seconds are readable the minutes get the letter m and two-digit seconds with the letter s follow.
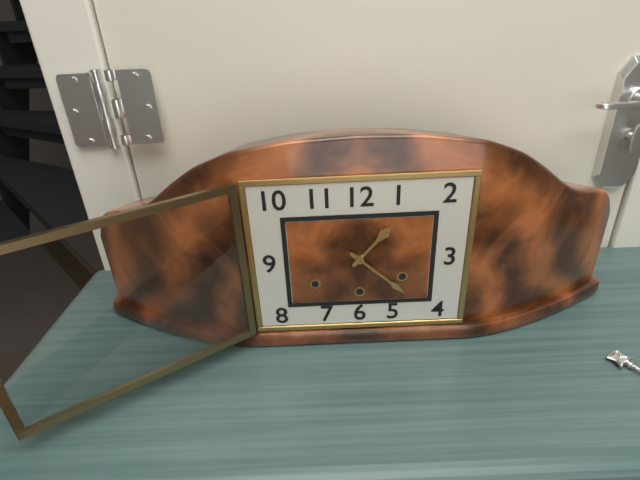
1h22
